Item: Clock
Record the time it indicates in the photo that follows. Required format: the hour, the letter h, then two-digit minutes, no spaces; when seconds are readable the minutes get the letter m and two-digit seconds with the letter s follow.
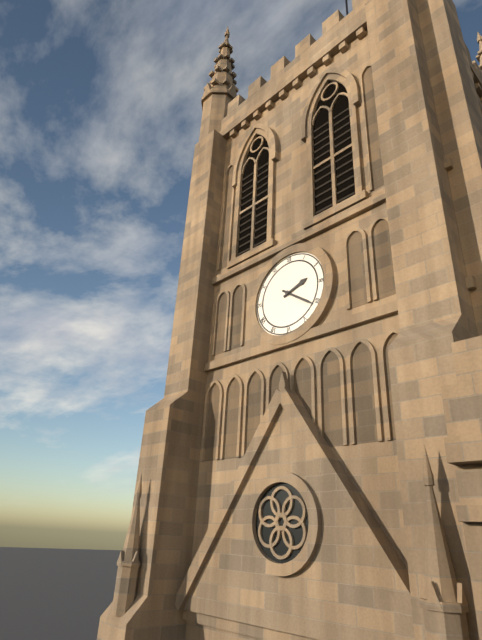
2h21
